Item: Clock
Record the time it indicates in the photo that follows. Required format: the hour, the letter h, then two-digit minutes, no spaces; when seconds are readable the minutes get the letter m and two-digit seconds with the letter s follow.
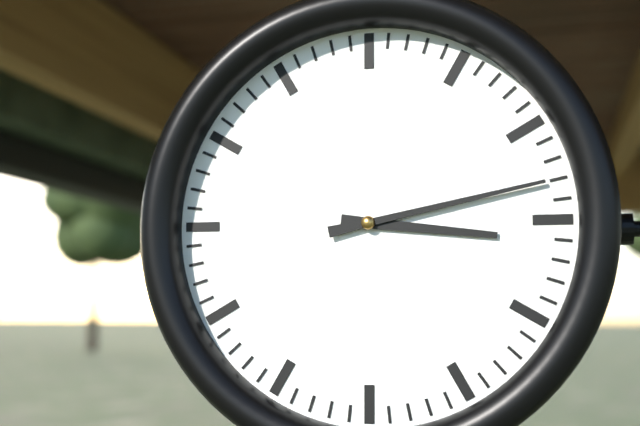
3h13
